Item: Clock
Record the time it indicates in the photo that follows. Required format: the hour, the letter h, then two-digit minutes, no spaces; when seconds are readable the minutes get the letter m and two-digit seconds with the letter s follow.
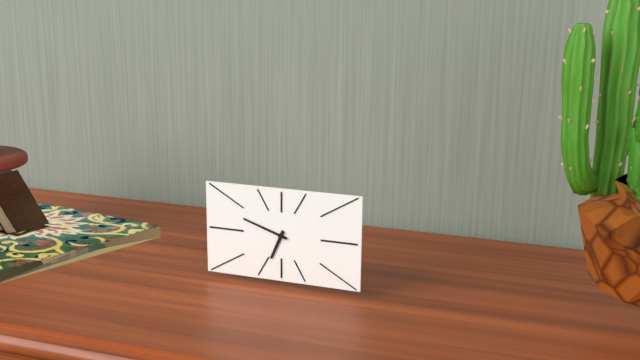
6h48
